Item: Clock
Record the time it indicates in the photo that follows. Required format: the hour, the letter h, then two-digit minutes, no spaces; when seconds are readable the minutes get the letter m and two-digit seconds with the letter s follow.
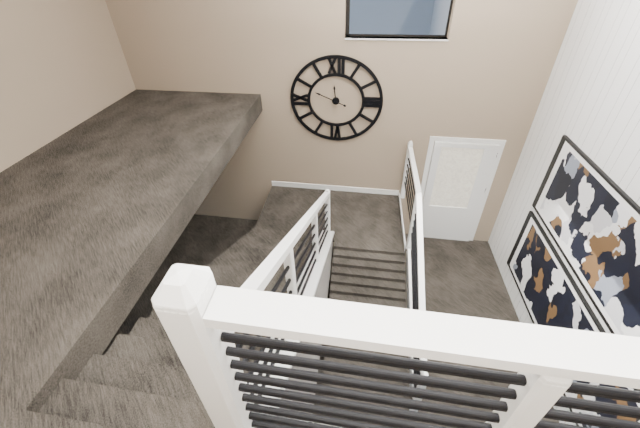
11h49
